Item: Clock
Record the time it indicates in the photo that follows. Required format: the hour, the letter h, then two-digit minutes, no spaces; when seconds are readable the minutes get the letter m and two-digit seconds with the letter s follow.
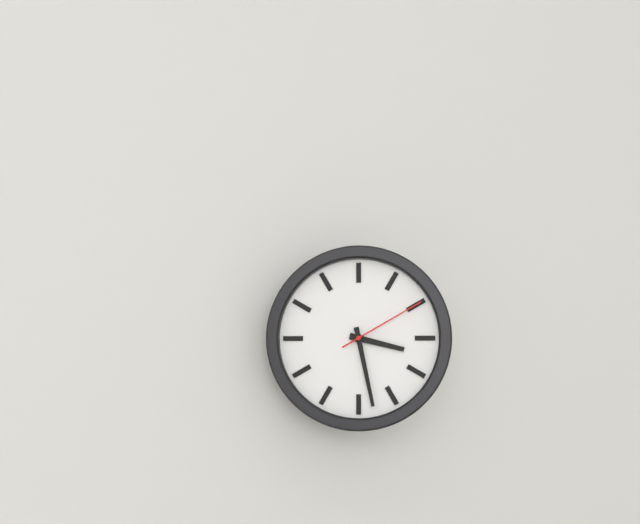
3h28m10s
